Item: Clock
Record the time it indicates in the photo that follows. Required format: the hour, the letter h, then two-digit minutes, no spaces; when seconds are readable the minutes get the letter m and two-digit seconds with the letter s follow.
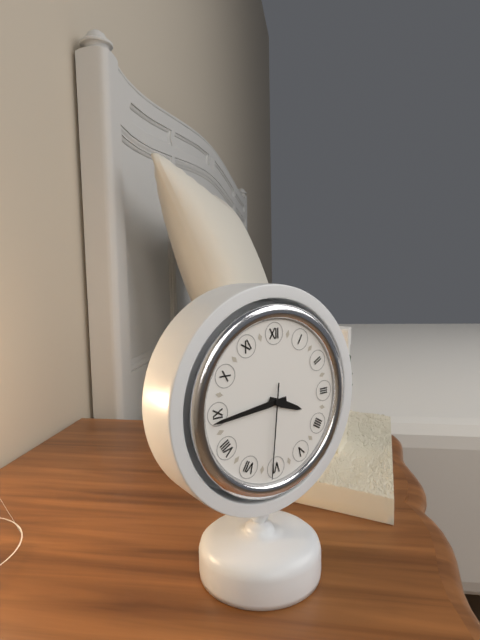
3h44m31s
